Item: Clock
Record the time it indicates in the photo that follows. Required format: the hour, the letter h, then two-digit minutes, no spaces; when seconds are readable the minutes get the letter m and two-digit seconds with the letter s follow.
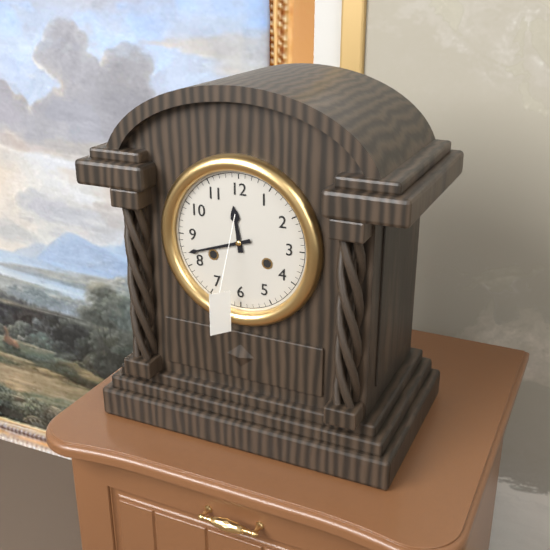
11h42
